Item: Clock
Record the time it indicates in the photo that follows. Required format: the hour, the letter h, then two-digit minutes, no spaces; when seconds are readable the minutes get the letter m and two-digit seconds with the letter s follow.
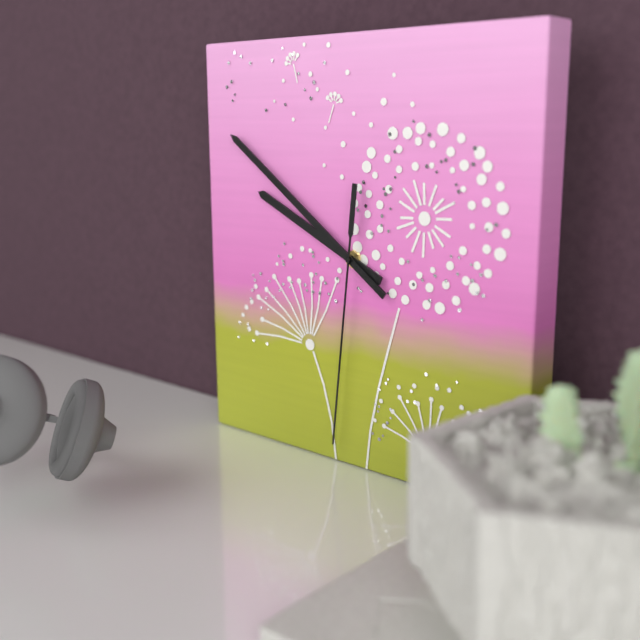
9h51m31s
